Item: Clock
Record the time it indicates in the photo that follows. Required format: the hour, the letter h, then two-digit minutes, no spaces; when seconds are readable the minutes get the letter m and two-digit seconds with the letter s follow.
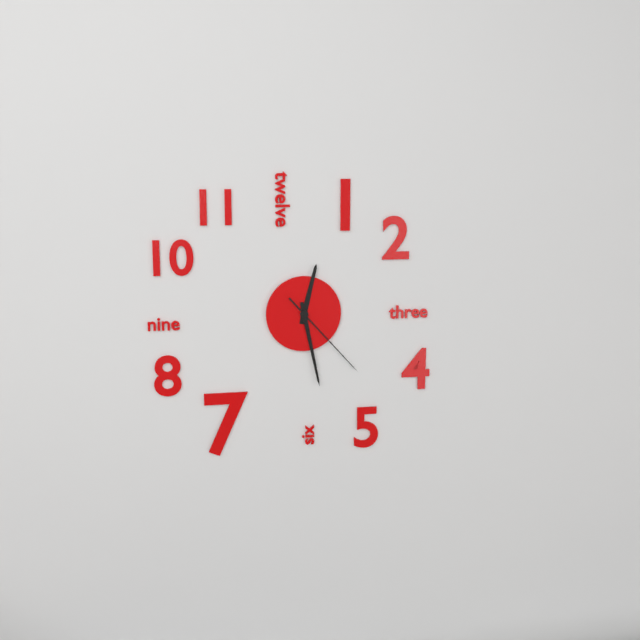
12h28m23s
